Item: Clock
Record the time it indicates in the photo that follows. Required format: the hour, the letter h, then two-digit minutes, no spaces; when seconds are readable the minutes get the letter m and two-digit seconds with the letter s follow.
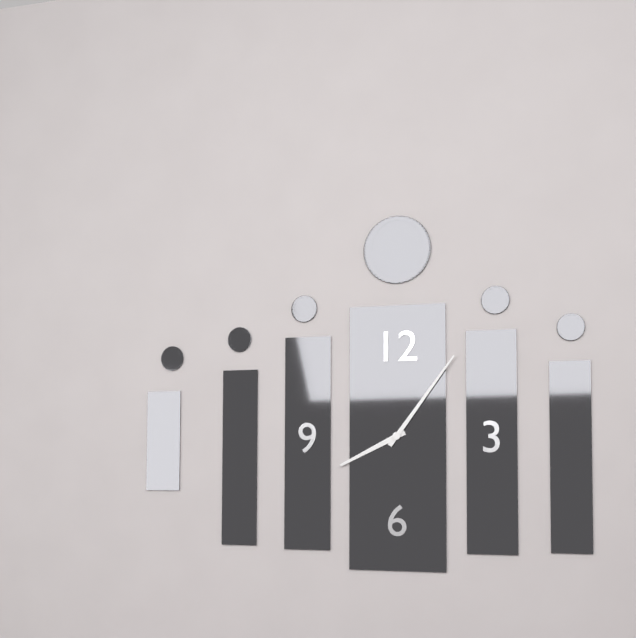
8h06
